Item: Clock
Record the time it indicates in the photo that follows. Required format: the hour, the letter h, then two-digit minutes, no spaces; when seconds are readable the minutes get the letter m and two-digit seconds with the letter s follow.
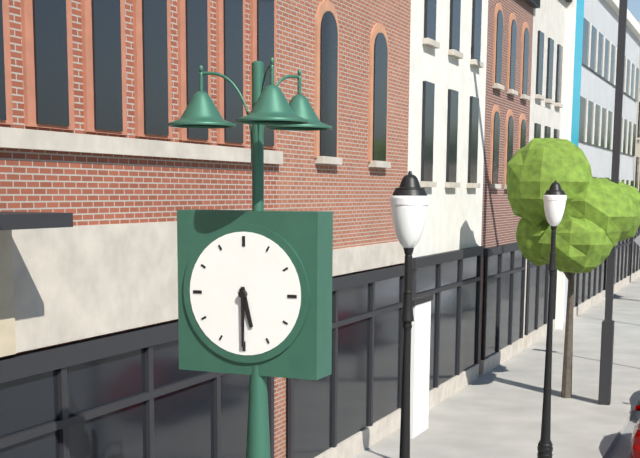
5h30
